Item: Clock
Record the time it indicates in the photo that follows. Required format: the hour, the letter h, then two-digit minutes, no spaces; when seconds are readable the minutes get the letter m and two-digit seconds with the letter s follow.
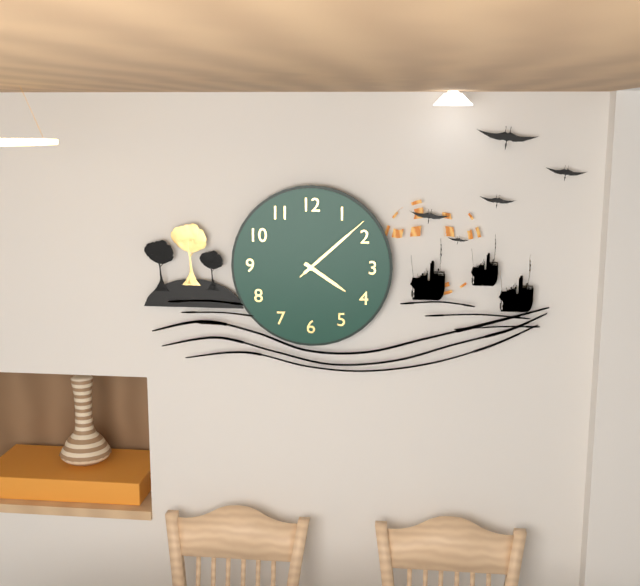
4h08m08s
